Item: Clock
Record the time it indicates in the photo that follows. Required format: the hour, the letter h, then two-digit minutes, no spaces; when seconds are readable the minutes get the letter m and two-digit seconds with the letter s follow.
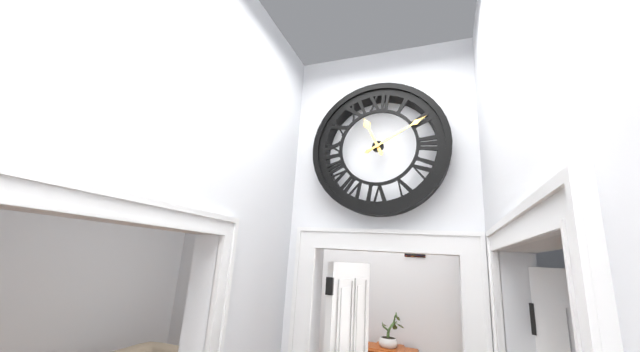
11h10
